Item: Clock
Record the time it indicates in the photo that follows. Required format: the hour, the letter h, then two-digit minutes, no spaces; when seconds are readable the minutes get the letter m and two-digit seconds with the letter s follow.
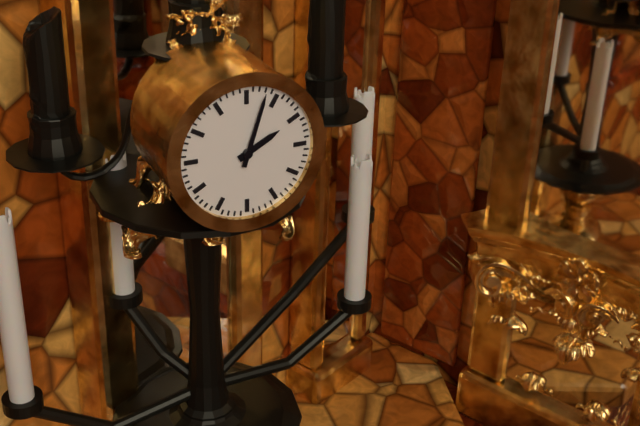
2h03
